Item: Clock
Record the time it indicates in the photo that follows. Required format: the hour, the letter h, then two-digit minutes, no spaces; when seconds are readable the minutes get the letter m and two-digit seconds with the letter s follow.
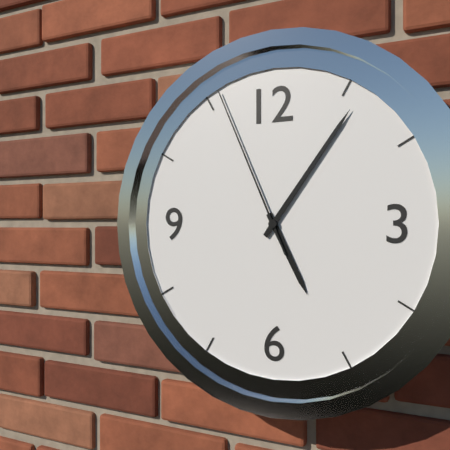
5h06m56s
